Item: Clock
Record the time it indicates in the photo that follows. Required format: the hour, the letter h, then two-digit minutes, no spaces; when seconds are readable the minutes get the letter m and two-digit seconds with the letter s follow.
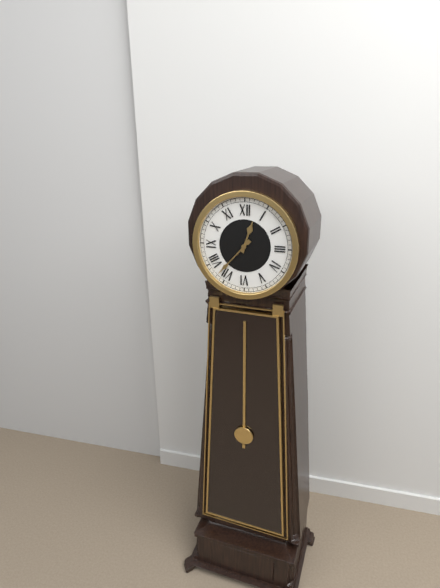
12h37
